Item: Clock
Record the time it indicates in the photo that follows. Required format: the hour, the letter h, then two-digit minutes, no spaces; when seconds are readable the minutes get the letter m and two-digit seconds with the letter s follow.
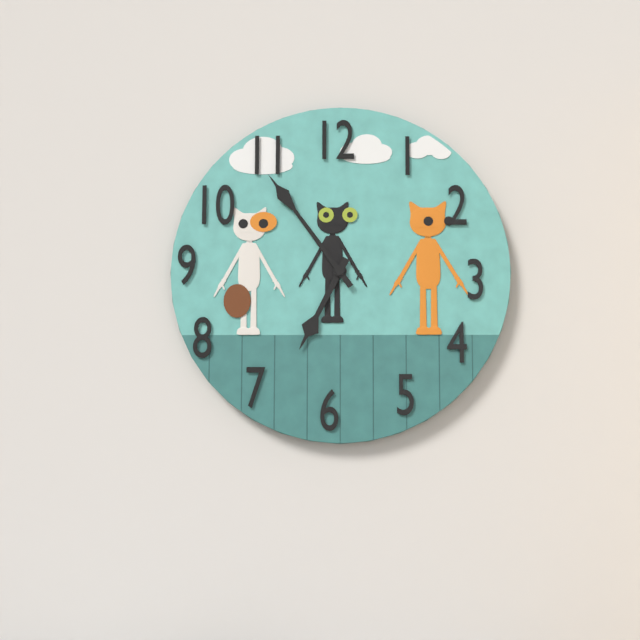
6h54
